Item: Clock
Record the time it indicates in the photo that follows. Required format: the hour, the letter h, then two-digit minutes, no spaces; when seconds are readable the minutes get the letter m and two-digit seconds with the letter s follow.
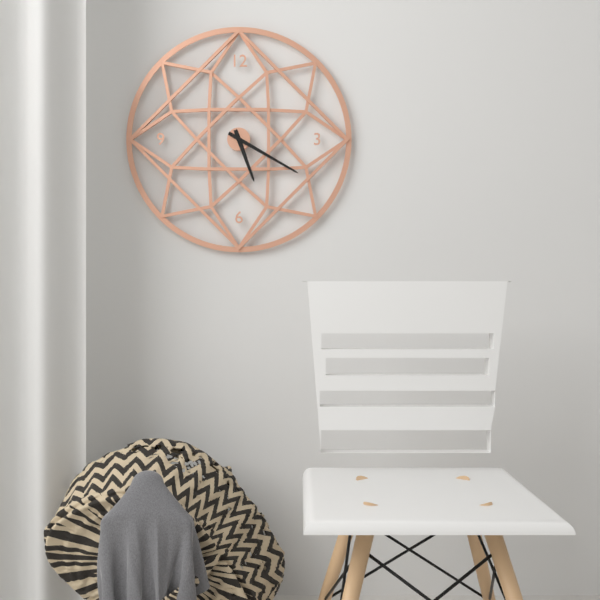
5h20
